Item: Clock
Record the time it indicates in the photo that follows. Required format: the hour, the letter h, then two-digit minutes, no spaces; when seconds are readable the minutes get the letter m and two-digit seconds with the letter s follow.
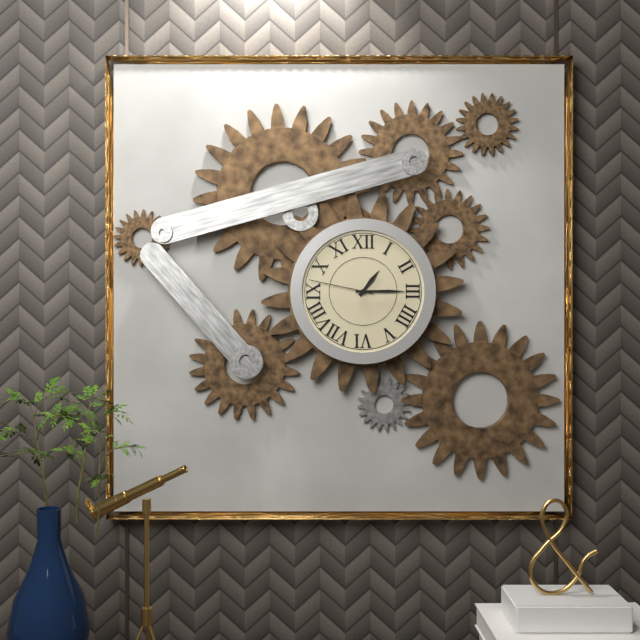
1h15m47s
